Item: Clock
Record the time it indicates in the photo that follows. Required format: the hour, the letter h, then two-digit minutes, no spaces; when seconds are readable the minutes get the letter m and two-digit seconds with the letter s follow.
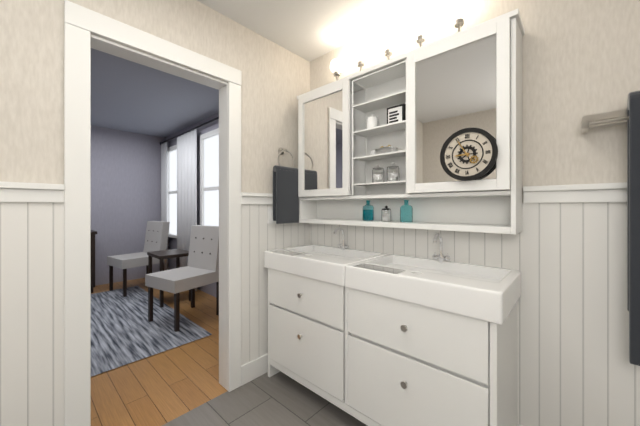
8h55
